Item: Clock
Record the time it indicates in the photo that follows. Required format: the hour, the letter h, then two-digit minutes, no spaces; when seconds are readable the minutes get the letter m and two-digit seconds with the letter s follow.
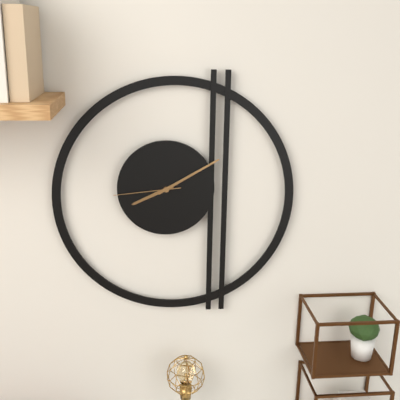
8h10m44s
